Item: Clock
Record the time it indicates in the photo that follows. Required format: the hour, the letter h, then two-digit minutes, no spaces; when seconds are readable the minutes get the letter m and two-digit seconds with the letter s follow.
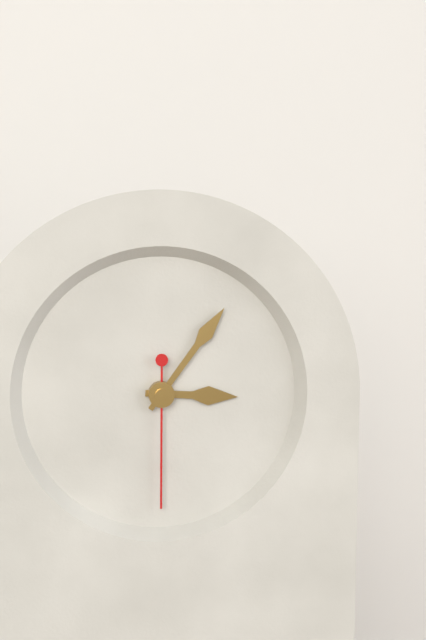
3h06m30s
